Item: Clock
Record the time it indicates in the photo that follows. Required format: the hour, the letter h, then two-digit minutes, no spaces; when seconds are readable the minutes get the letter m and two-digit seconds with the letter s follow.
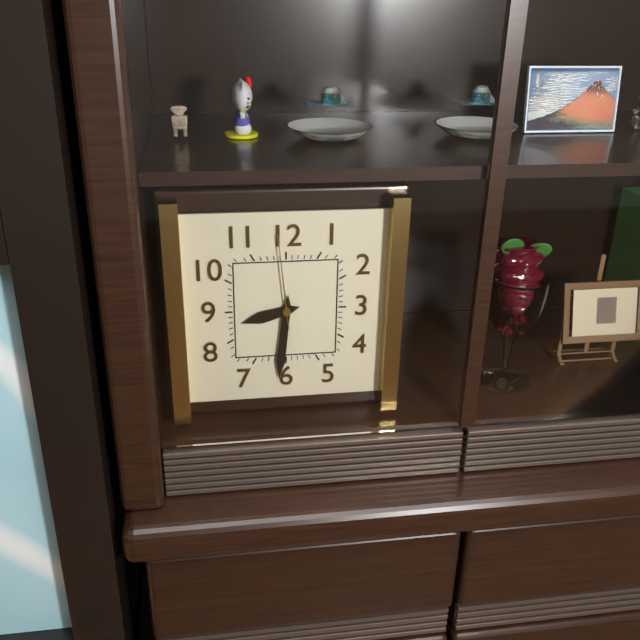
8h31m59s
